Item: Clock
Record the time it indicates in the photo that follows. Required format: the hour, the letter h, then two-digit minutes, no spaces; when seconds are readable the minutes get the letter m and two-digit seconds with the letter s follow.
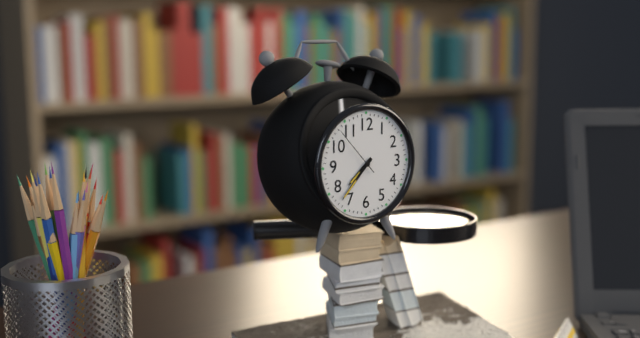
7h37m53s
